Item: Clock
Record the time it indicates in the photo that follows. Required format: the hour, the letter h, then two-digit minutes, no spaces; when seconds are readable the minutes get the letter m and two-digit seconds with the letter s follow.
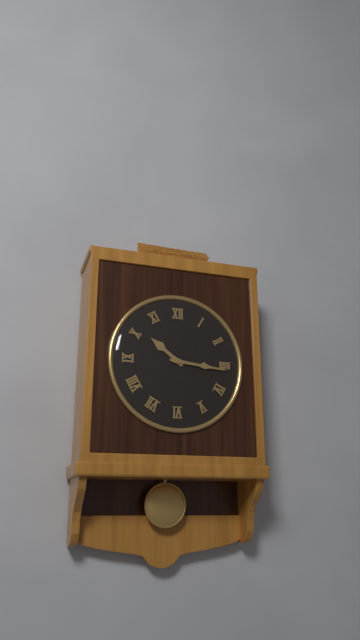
10h16
